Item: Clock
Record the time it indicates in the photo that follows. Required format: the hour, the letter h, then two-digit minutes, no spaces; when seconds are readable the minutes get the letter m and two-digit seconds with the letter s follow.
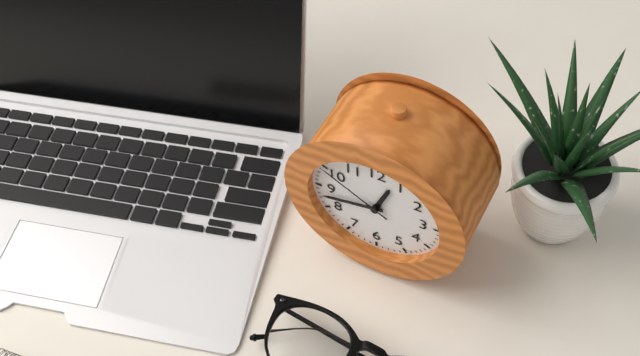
12h43m50s
